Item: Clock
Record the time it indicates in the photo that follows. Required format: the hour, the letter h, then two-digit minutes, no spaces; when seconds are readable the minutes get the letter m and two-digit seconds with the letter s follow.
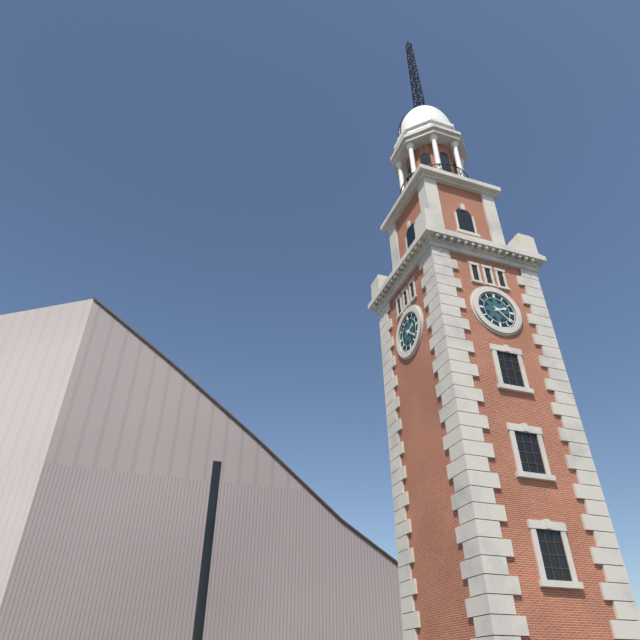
2h22
